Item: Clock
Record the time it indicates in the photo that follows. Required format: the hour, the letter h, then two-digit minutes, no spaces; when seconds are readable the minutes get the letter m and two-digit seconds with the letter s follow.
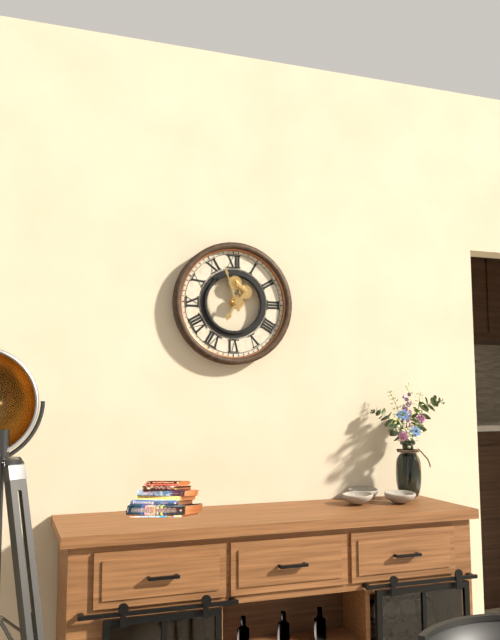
6h57
